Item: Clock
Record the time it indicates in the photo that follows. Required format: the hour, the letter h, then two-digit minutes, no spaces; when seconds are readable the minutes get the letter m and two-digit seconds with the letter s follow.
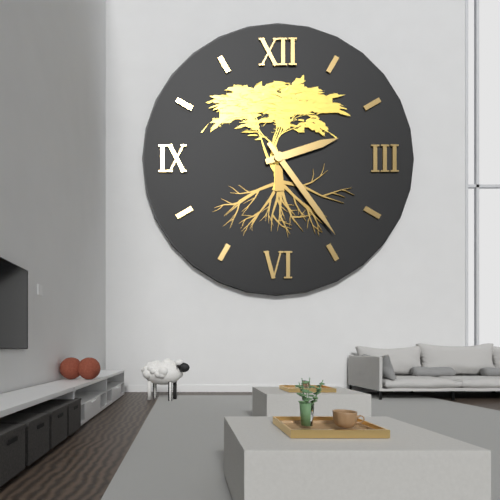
2h24
